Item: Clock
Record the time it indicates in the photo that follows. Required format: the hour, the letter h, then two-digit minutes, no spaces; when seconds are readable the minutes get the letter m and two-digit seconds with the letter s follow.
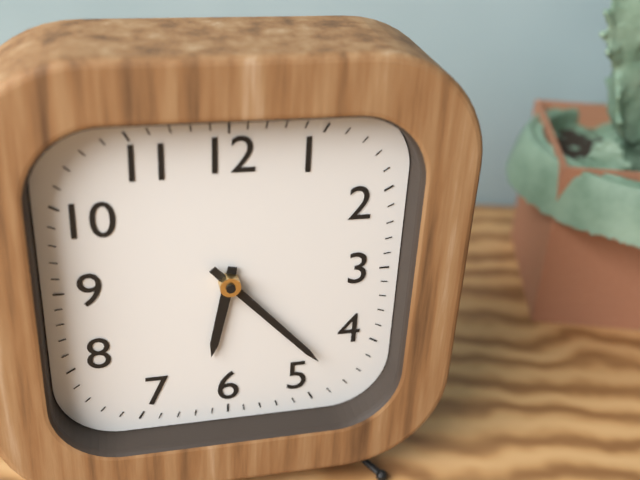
6h23
